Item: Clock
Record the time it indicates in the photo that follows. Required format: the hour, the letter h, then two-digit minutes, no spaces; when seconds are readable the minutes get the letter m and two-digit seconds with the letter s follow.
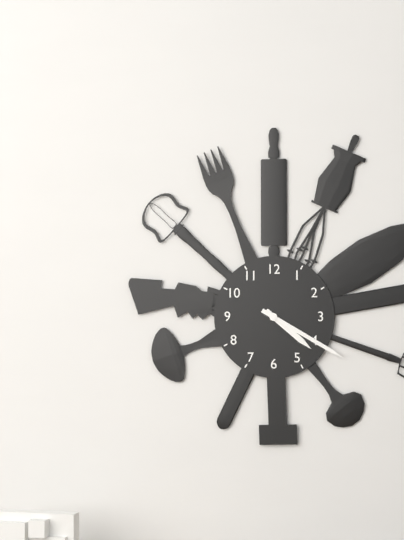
4h20
